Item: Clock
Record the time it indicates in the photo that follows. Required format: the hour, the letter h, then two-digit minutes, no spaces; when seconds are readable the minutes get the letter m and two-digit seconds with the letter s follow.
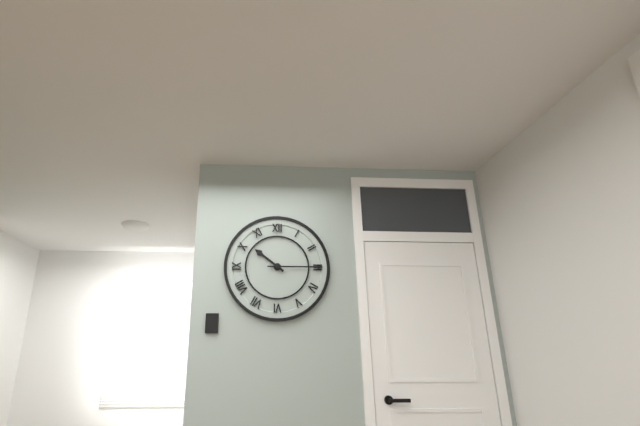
10h15
